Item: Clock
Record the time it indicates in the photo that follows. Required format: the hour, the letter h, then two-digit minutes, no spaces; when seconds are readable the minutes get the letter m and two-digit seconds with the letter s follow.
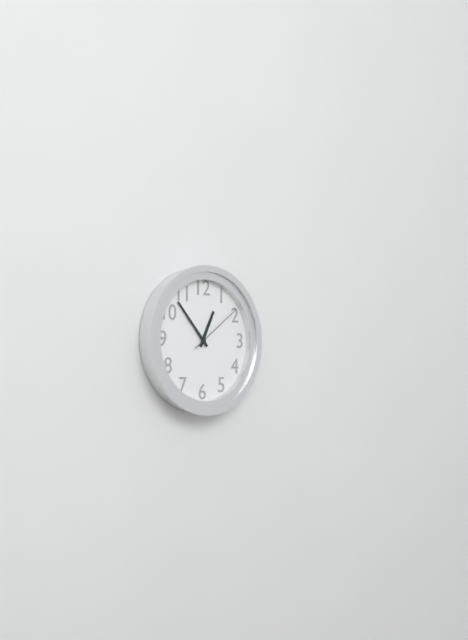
12h53m09s
